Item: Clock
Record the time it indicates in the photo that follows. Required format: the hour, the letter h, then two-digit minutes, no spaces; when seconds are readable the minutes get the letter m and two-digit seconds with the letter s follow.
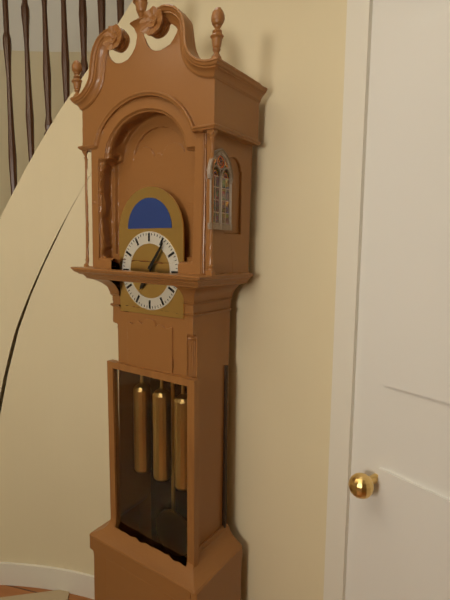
7h06
